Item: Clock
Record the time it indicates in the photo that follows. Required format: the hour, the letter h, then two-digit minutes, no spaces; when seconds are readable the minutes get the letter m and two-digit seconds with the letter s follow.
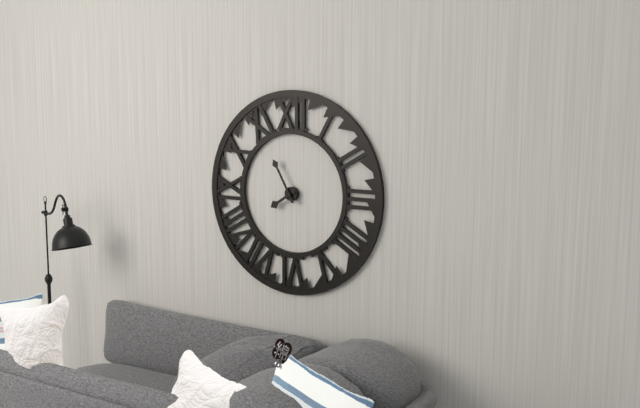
7h55
